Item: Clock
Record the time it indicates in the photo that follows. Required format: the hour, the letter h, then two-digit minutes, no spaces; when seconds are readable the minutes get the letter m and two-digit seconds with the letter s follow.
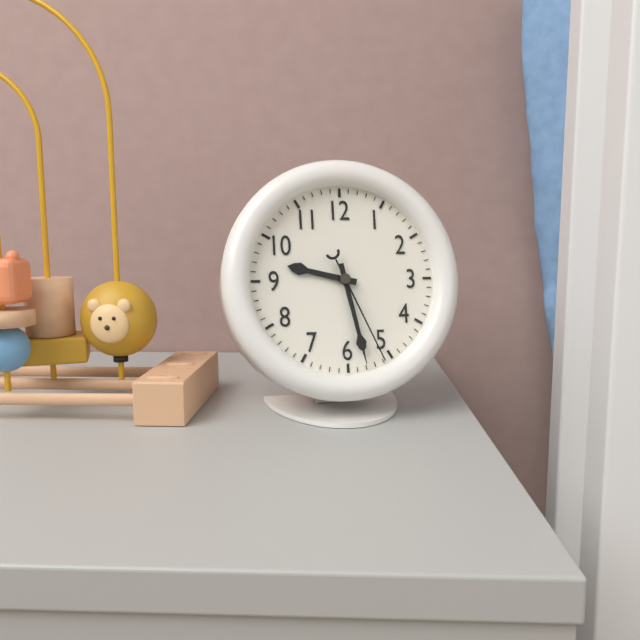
9h28m26s
